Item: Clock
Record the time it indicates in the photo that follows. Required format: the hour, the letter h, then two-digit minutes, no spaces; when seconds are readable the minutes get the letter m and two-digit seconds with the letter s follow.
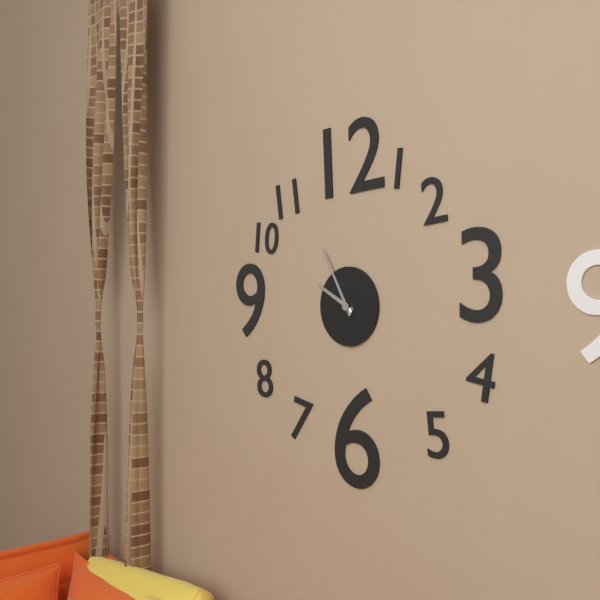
9h55
